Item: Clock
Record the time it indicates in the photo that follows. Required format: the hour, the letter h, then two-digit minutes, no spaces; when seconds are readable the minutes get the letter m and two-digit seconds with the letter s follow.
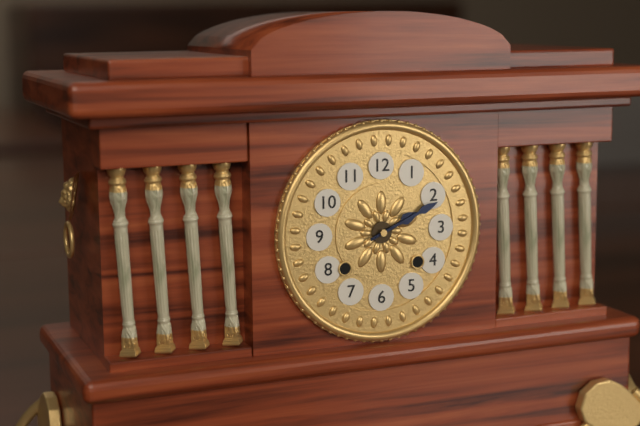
2h11
